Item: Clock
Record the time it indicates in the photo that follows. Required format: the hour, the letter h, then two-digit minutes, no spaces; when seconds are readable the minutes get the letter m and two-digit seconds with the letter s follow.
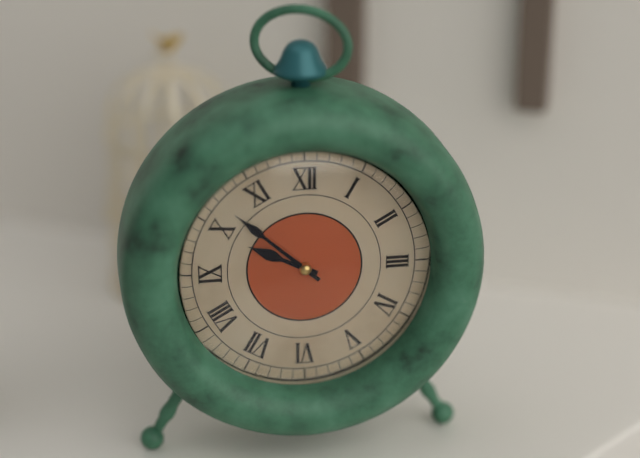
9h52
